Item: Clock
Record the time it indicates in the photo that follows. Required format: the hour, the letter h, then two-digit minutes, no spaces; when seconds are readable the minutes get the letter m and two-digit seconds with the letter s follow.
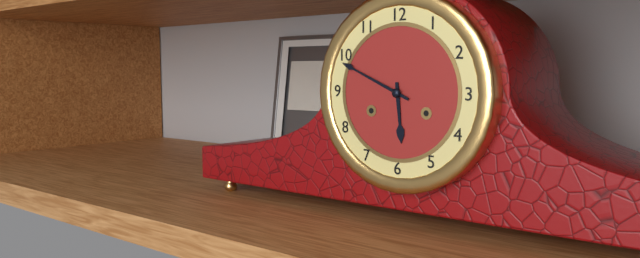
5h49
